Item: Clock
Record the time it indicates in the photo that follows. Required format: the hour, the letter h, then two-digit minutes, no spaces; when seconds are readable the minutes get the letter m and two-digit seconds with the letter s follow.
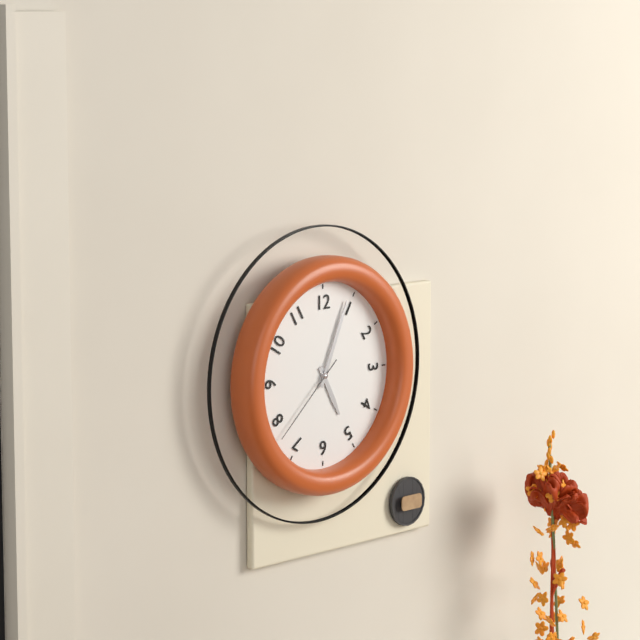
5h04m38s
